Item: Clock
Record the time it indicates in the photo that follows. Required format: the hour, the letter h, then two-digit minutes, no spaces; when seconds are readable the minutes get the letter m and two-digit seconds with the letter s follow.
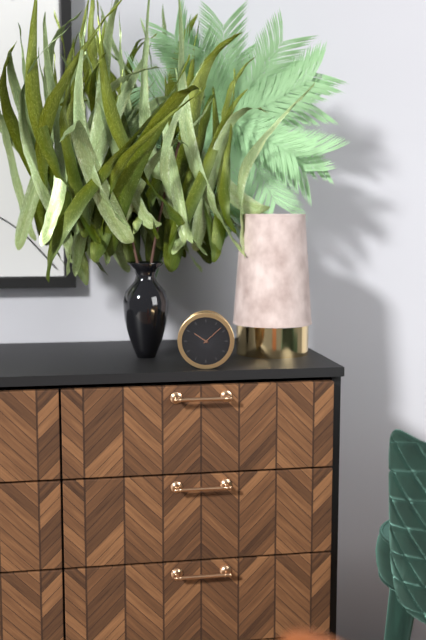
10h08
